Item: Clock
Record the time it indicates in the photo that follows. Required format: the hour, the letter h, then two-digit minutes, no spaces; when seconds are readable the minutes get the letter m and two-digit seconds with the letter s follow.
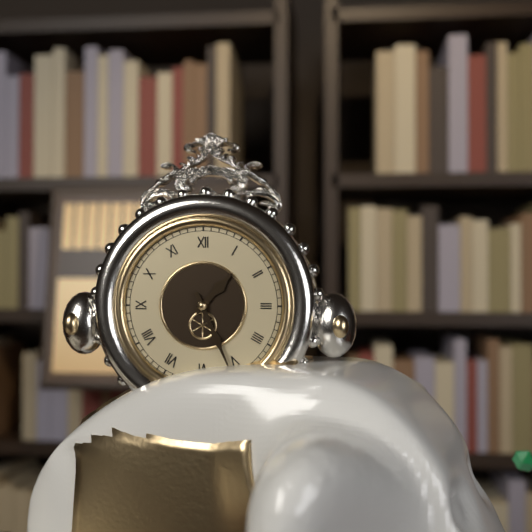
1h26
